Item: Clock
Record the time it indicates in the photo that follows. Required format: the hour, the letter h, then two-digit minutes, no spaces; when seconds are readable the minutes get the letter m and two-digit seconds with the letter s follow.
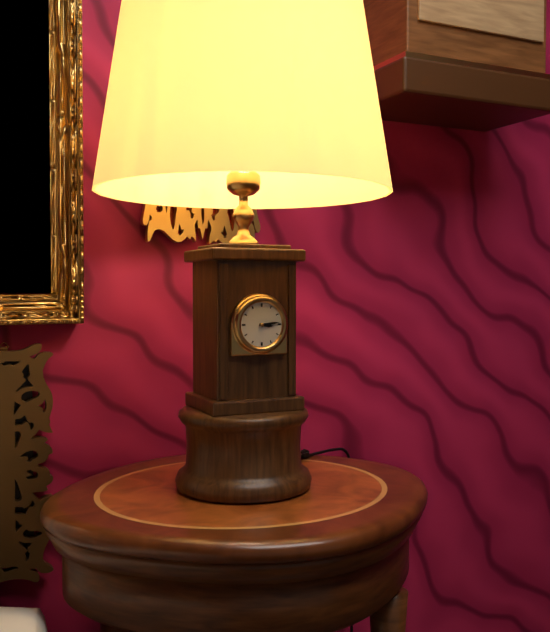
3h14
